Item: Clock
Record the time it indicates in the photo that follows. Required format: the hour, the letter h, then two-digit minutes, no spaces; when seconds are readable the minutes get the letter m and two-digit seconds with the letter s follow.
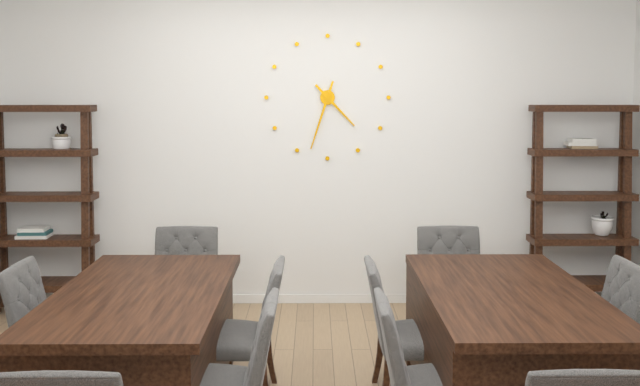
4h33
